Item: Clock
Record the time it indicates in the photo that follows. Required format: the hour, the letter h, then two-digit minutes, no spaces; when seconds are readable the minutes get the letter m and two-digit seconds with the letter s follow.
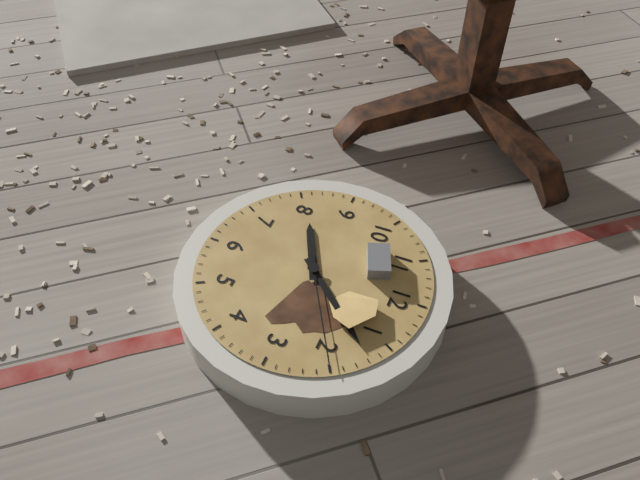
8h07m10s
